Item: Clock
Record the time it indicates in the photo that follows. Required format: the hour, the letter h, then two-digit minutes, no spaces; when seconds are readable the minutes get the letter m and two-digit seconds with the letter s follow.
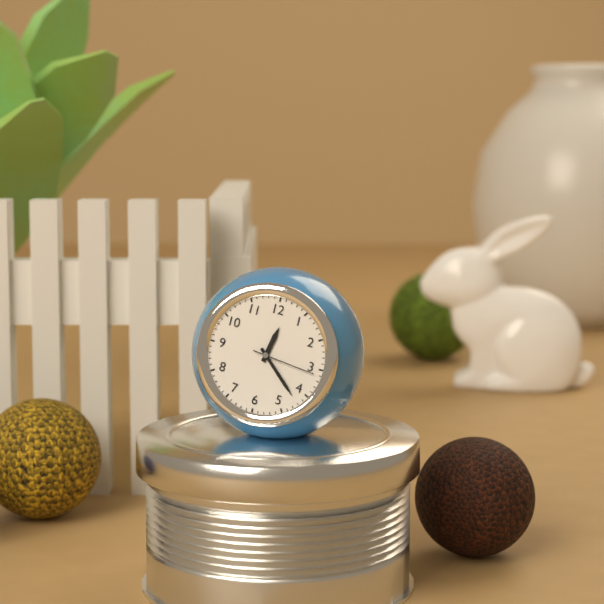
12h22m16s
